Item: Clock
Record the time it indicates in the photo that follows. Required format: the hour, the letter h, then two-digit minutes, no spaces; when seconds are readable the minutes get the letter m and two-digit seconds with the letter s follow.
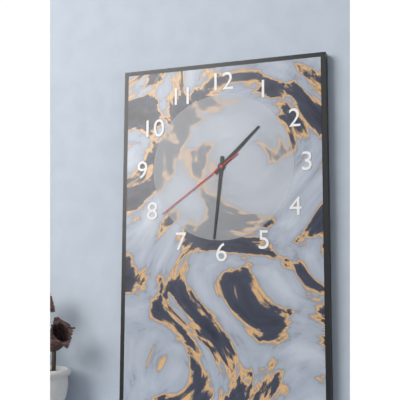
1h31m39s
